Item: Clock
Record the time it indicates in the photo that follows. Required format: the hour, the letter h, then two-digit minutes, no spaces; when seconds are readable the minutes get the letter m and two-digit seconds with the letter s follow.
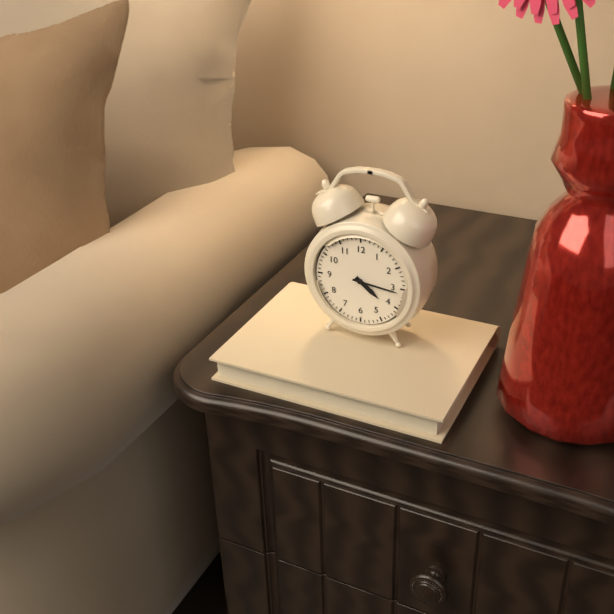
4h16
